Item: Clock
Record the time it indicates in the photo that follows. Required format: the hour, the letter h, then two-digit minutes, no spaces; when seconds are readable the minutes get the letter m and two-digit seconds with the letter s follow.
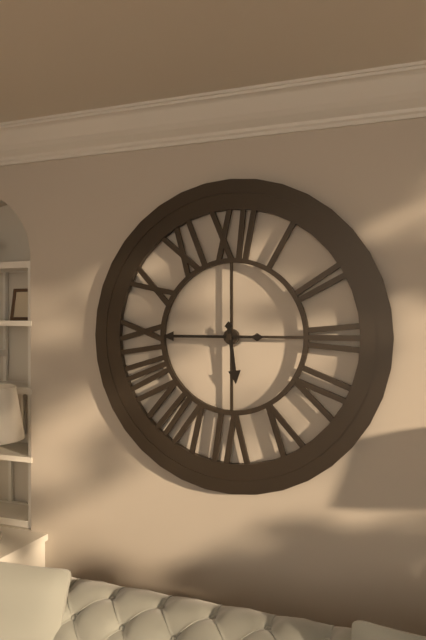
5h45
